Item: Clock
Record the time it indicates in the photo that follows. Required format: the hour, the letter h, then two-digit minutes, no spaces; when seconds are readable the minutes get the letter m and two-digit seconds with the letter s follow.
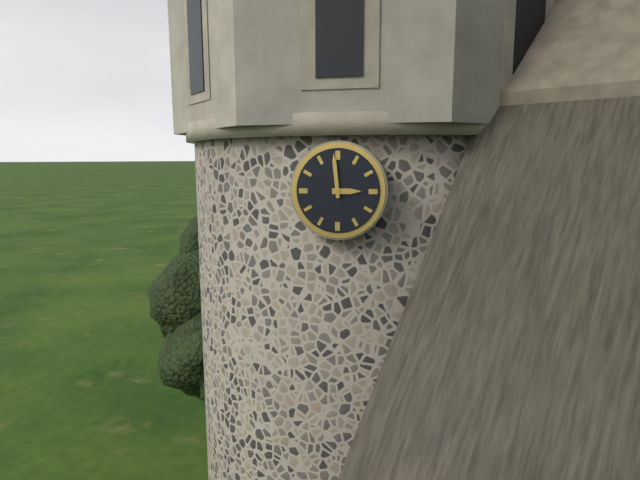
2h59
